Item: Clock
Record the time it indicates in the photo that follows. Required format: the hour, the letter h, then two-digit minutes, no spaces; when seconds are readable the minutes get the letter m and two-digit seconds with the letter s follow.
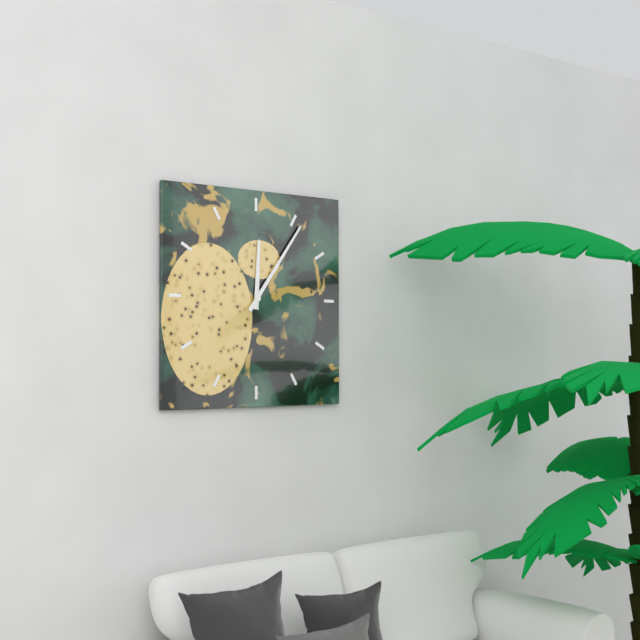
12h06
